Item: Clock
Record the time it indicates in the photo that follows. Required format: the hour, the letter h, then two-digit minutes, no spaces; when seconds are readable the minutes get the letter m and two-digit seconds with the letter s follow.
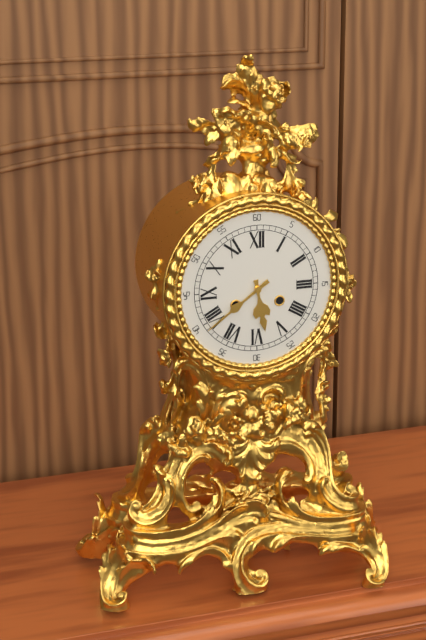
5h39
